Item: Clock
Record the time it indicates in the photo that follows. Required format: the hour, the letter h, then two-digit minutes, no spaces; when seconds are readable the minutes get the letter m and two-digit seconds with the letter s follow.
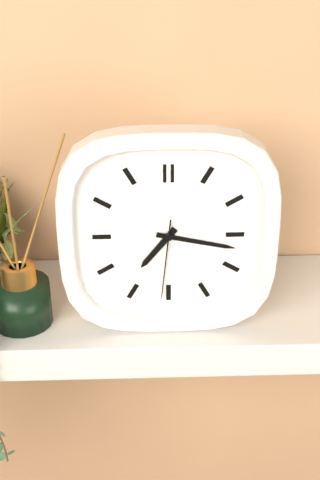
7h17m31s
